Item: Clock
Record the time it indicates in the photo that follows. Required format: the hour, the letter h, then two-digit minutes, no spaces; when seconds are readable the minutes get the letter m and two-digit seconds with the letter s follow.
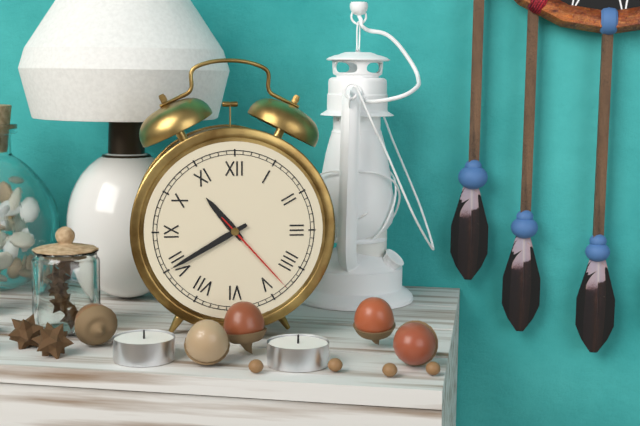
10h40m23s
